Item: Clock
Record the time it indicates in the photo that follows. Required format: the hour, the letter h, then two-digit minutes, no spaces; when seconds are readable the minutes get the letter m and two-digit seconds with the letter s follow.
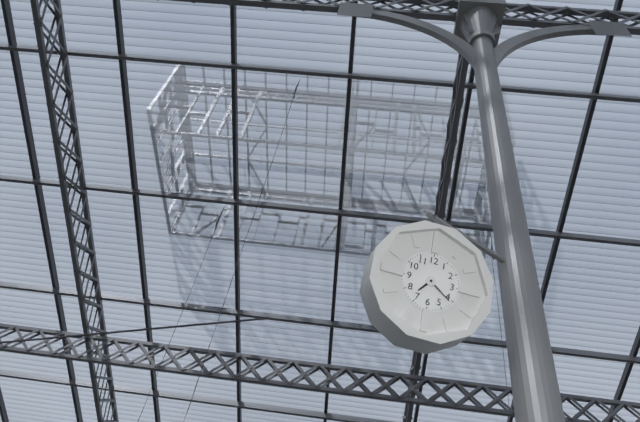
7h21
